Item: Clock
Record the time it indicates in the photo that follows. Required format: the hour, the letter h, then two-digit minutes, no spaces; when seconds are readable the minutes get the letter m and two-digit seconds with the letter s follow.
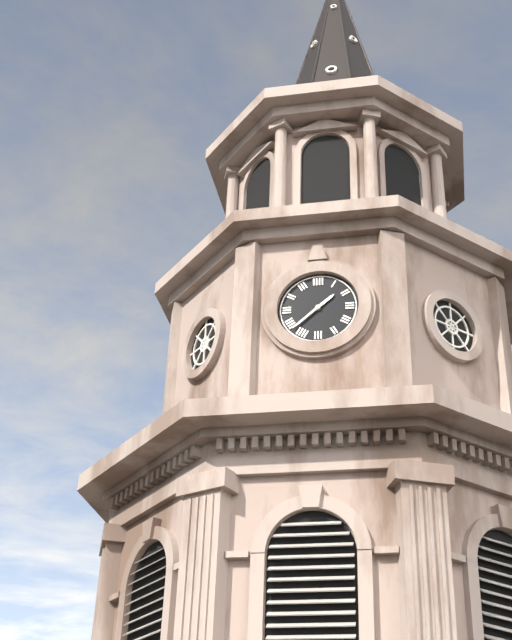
1h38
